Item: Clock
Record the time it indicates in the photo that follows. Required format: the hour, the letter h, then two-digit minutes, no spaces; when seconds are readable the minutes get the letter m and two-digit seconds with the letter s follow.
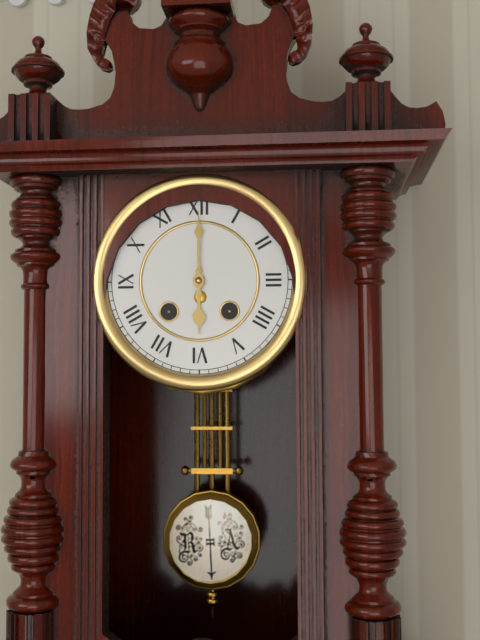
6h00
